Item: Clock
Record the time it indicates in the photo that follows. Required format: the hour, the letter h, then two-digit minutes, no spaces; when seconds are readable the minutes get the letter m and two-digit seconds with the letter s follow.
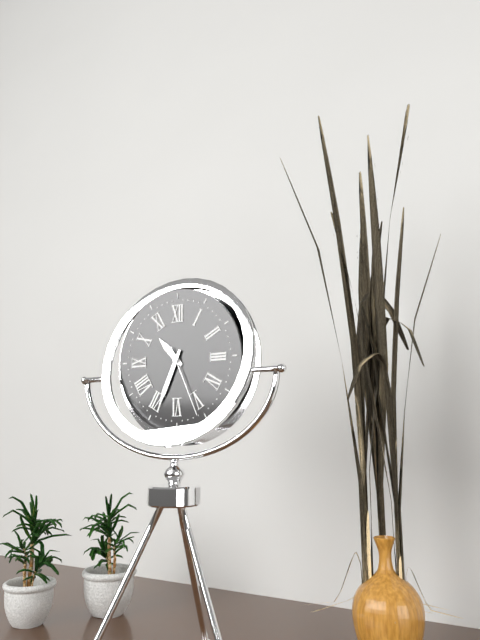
10h34m26s
